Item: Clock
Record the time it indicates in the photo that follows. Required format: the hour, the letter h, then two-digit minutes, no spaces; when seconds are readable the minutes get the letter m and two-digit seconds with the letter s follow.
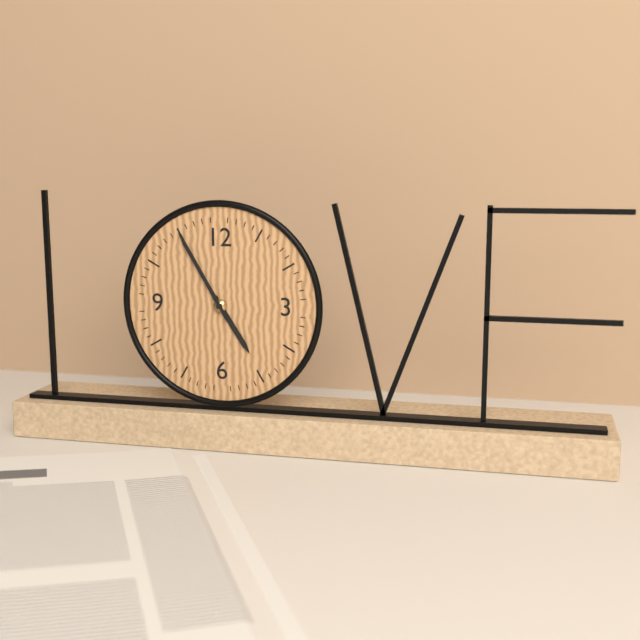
4h55
